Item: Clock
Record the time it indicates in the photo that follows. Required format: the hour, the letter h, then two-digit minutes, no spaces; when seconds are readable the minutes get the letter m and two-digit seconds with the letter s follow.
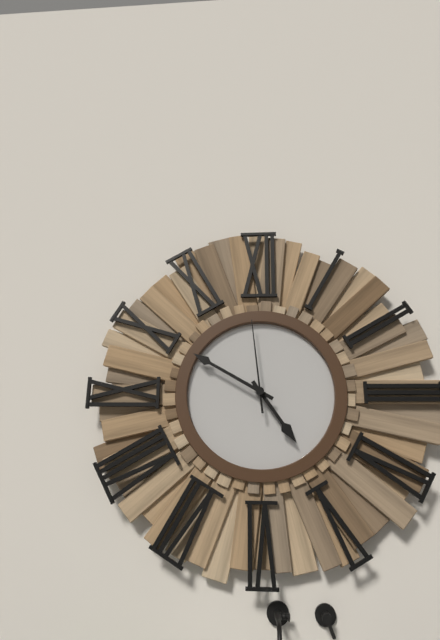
4h50m59s
